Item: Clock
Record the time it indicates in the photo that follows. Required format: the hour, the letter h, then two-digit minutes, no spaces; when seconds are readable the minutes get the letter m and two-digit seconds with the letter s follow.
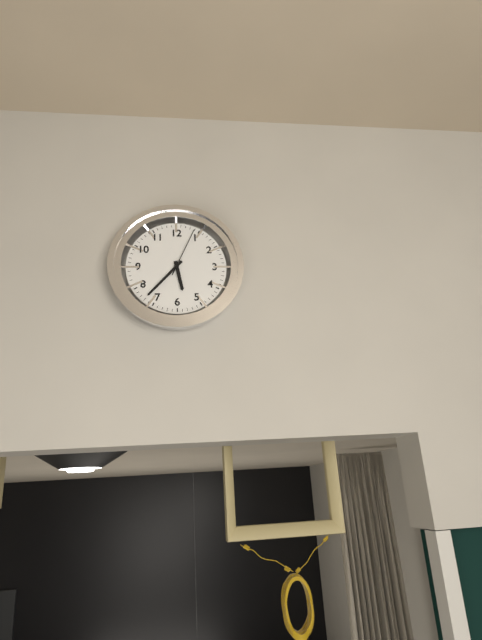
5h37m04s
